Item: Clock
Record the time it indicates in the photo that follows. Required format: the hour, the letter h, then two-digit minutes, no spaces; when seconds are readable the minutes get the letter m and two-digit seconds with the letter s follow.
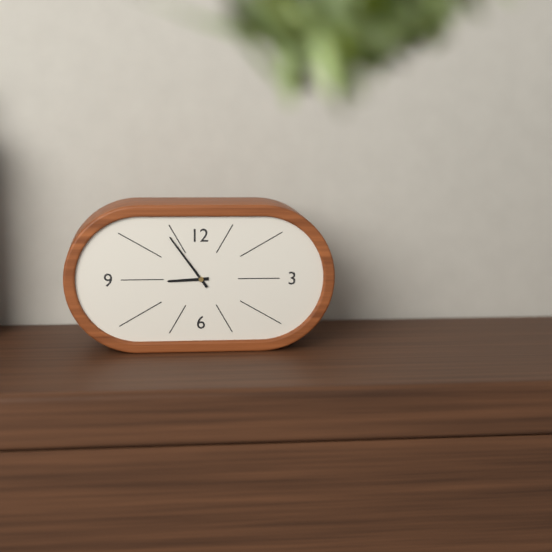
8h54
